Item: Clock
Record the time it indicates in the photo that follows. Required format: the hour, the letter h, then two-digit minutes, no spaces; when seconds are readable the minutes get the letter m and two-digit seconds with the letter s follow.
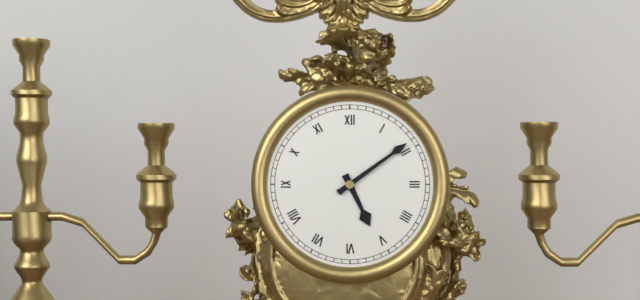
5h09
